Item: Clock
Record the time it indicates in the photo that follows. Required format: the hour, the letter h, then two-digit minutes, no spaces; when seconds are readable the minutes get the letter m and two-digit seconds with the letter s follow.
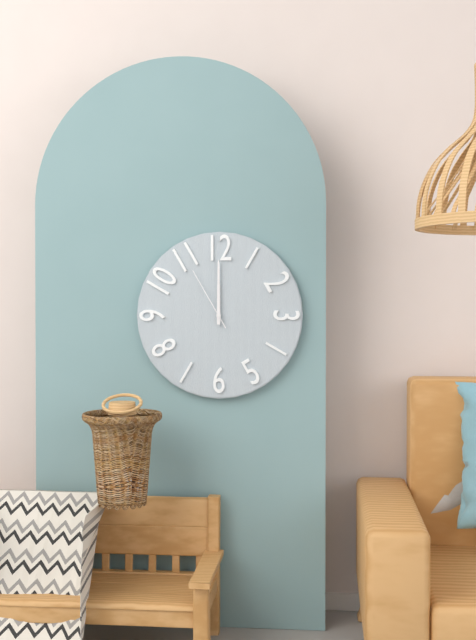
12h00m55s
